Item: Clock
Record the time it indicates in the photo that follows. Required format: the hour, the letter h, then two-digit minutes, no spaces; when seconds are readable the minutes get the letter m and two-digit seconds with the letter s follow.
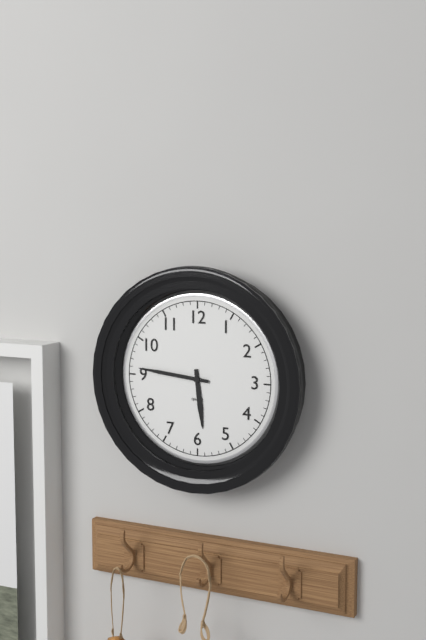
5h46
